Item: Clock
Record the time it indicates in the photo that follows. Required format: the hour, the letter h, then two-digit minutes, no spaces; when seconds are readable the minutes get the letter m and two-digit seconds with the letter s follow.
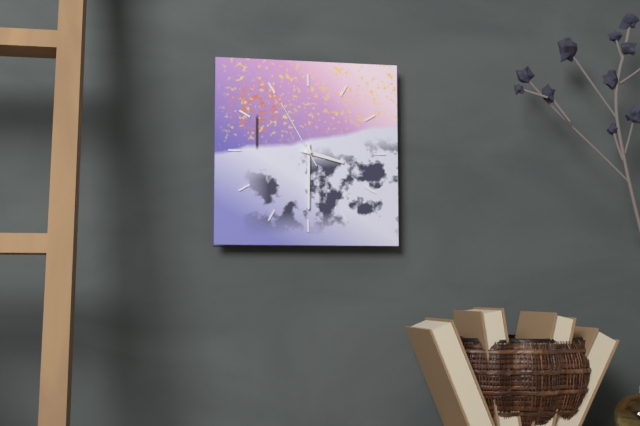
3h30m55s
